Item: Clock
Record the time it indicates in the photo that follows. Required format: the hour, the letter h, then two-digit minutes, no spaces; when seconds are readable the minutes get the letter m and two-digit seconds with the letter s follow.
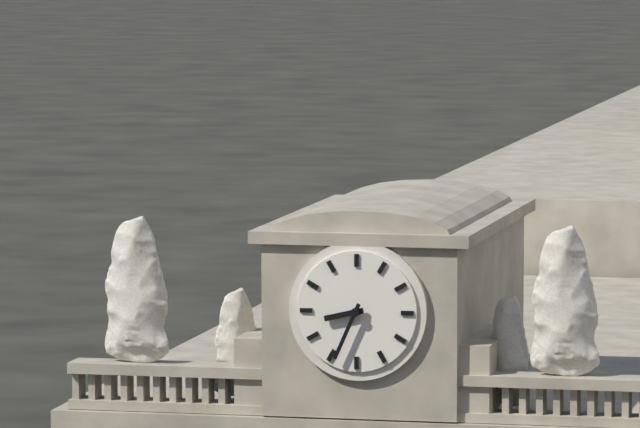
8h34
